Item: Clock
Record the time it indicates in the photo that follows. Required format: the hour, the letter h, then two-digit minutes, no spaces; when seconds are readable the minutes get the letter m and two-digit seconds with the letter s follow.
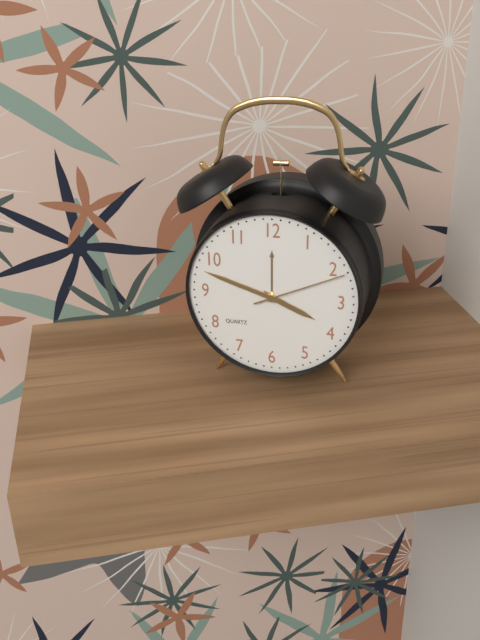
3h48m11s
